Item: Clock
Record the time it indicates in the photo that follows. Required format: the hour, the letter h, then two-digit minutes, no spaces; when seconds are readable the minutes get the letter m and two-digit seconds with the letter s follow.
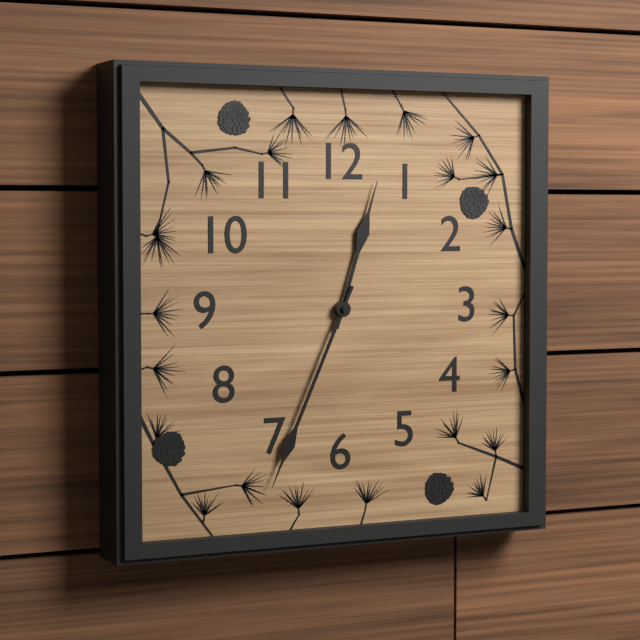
12h34
